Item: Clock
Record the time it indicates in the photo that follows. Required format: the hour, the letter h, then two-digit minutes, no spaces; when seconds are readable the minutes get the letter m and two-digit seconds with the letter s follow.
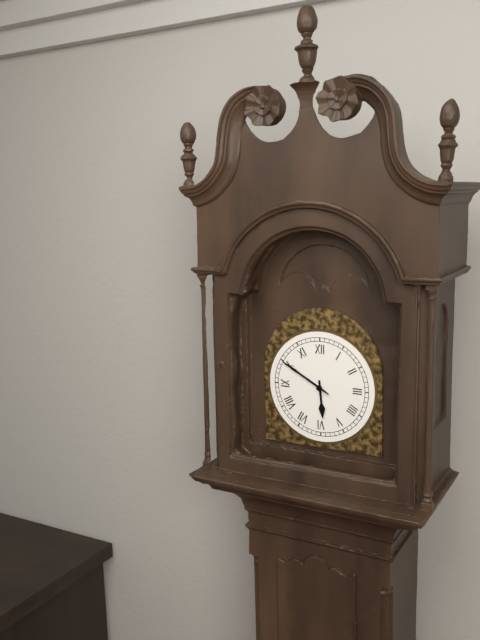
5h50
